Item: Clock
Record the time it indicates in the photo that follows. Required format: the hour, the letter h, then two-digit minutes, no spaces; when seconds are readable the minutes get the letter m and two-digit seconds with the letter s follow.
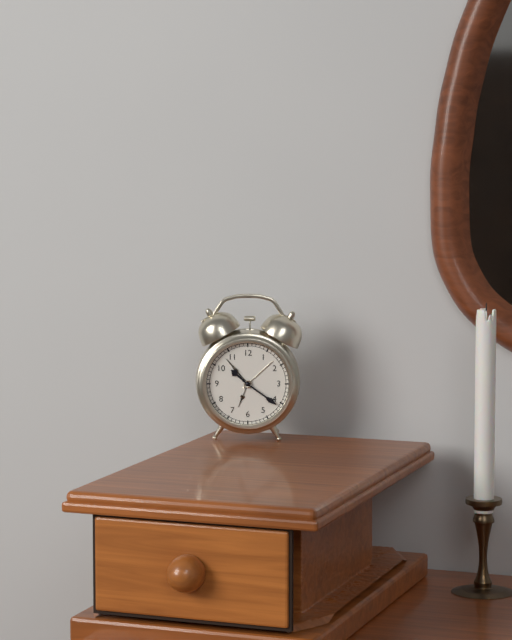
10h21
